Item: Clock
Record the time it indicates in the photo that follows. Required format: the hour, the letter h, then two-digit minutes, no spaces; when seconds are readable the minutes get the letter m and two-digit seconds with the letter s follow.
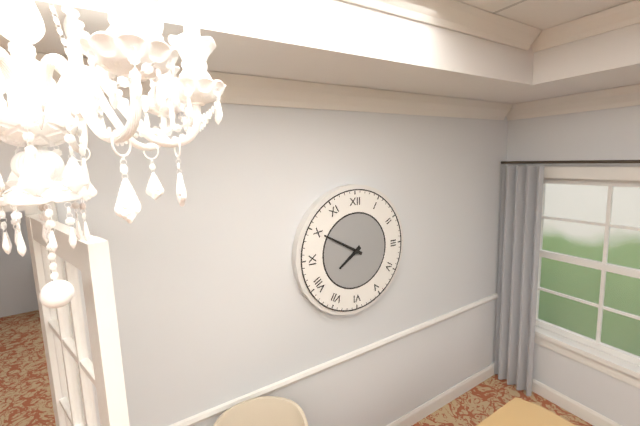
7h50
